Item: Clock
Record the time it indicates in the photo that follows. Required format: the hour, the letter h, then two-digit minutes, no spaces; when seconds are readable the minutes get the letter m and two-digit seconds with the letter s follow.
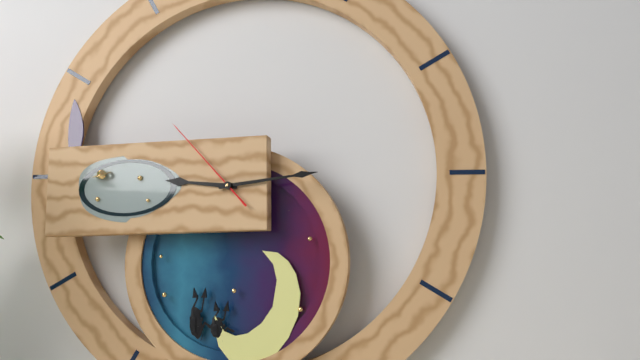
9h14m53s
